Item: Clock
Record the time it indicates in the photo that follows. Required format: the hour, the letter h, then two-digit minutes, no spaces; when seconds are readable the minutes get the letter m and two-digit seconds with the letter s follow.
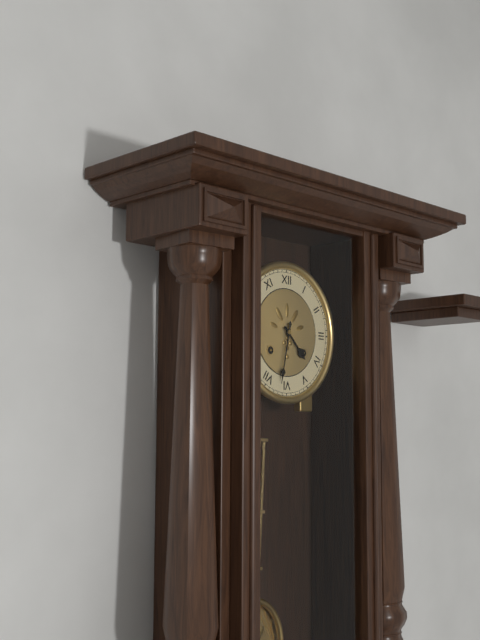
4h32
